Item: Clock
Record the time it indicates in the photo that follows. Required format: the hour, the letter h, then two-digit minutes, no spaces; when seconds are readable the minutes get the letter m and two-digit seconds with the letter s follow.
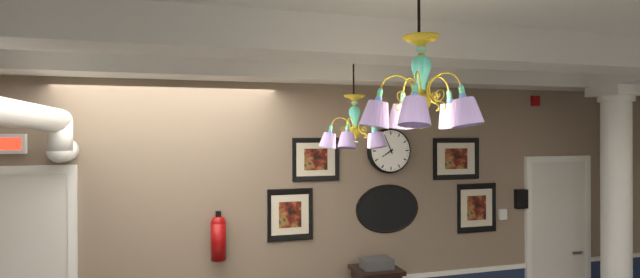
7h56
